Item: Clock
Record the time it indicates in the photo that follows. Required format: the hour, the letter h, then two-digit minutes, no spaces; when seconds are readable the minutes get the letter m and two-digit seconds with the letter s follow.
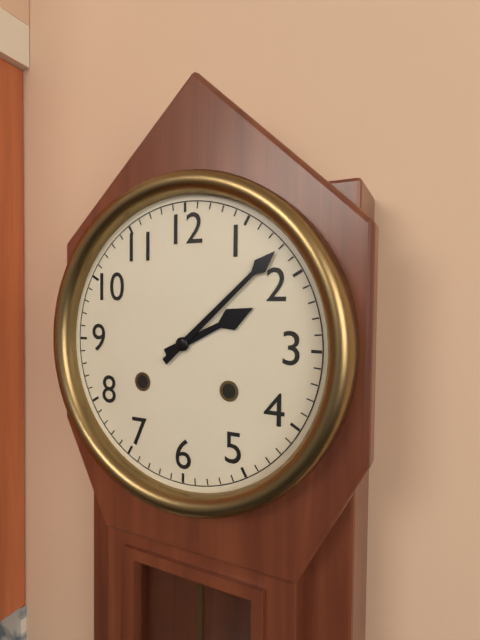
2h08
